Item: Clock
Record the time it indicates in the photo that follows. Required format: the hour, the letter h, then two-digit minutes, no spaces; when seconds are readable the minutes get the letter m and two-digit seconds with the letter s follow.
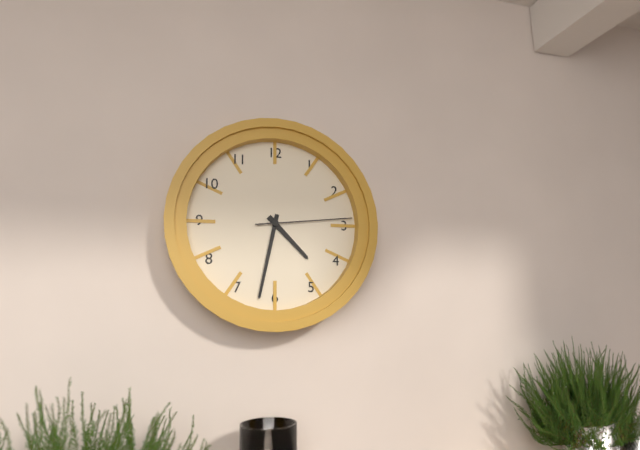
4h32m14s
